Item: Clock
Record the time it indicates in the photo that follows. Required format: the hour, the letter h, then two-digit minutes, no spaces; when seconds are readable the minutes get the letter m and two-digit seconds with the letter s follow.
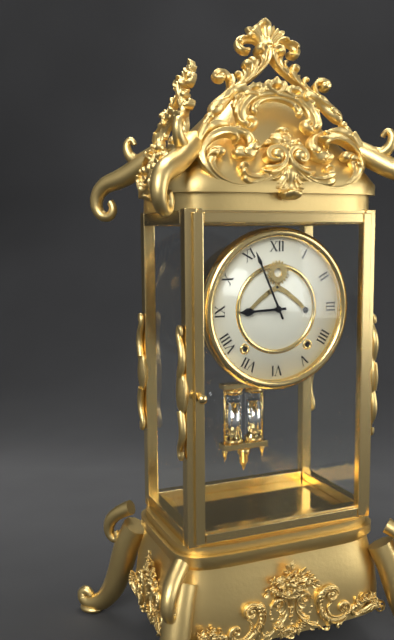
8h56
